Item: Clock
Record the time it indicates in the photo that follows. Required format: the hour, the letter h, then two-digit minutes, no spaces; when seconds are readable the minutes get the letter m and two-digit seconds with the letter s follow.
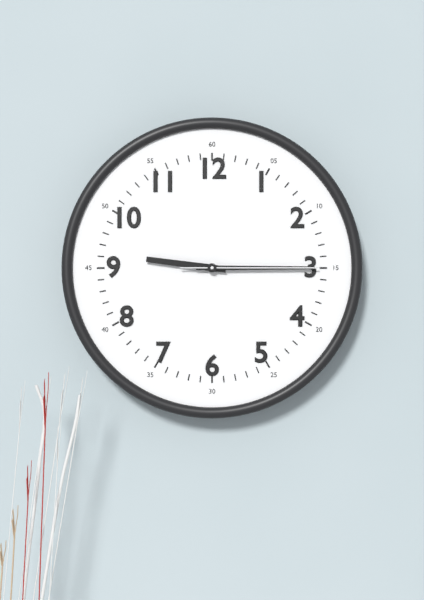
9h15m15s
